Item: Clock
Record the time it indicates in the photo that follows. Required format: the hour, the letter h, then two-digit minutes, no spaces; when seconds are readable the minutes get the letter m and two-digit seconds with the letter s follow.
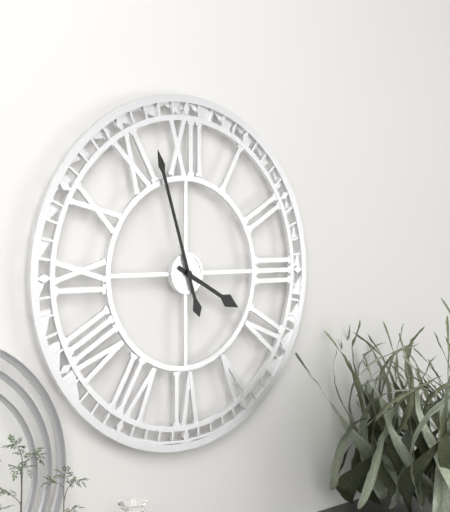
3h57
